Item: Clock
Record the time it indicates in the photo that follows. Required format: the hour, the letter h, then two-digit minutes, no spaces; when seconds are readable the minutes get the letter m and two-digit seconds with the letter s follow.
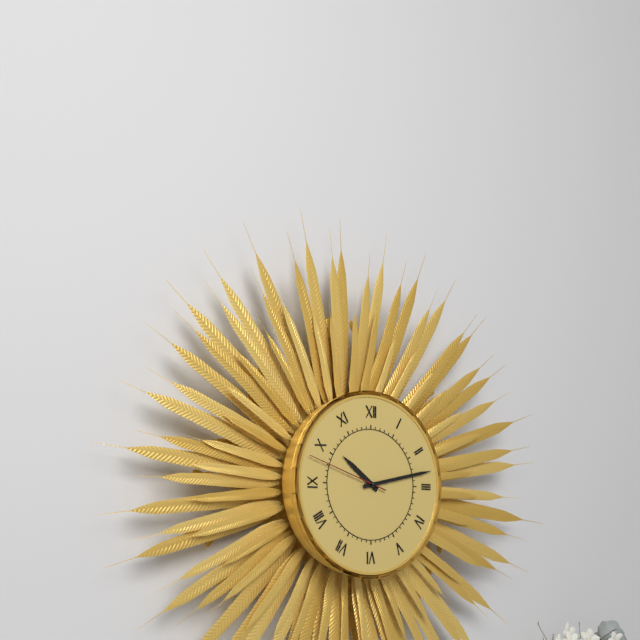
10h13m48s
